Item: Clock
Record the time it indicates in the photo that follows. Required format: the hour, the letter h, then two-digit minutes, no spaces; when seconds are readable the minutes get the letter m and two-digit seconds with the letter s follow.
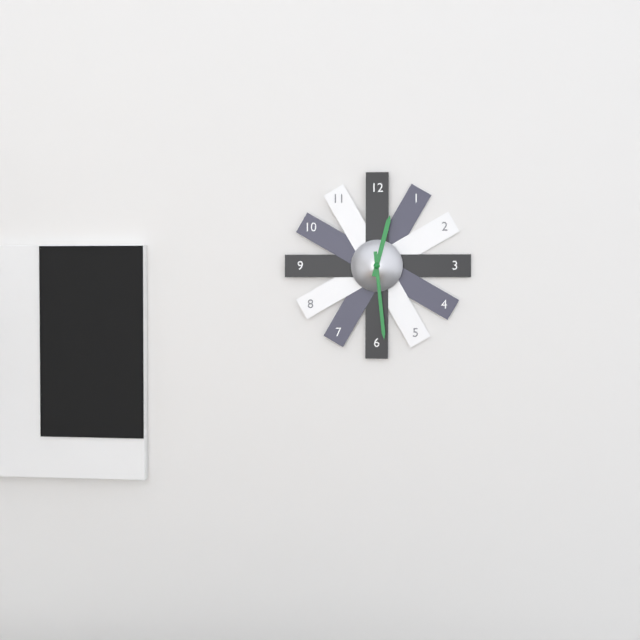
12h29
